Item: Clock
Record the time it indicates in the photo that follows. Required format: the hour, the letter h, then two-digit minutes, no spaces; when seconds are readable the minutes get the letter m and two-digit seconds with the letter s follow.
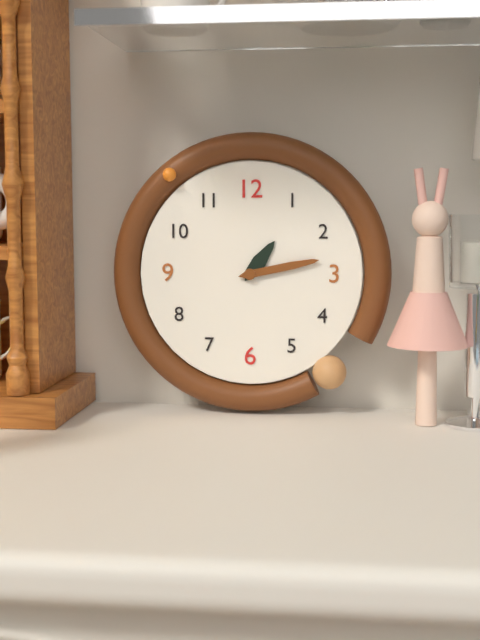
1h13
